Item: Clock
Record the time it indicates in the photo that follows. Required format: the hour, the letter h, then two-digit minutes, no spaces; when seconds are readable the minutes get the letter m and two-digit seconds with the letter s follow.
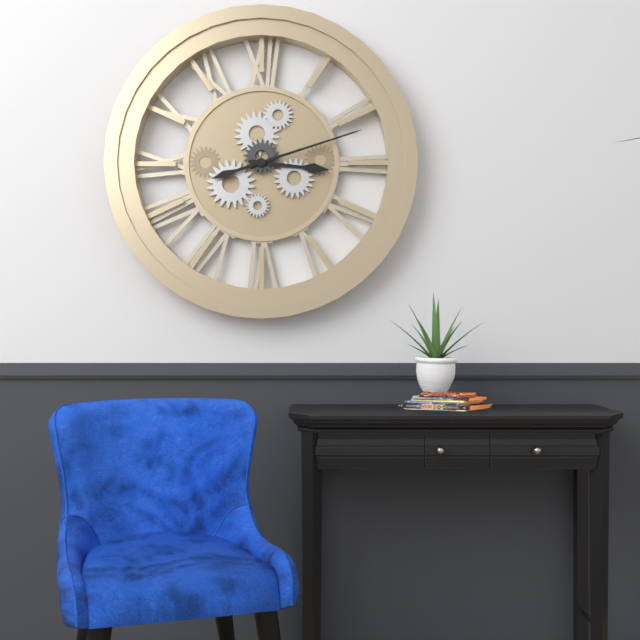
3h12
